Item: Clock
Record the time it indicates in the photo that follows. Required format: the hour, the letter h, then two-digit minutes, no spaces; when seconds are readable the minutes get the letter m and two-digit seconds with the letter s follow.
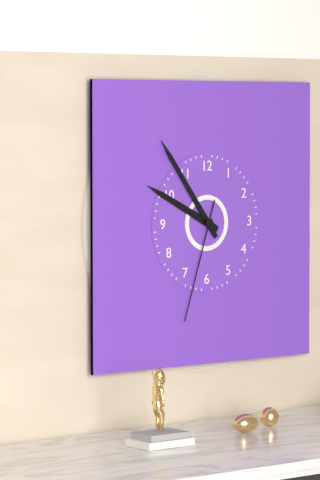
9h54m33s
